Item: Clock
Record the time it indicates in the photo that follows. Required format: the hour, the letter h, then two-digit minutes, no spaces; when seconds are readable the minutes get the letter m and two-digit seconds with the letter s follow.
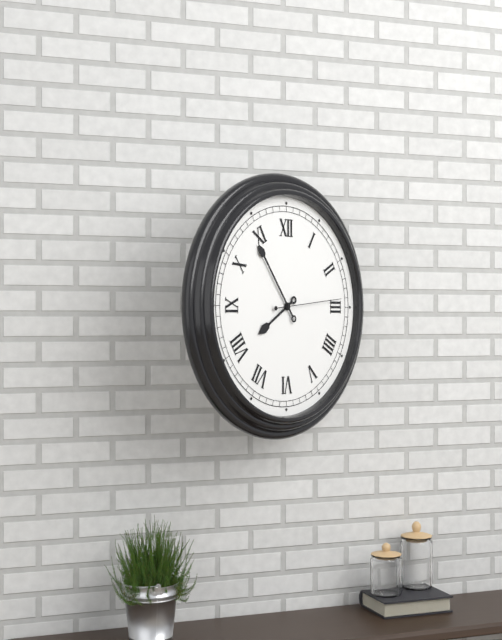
7h54m14s
